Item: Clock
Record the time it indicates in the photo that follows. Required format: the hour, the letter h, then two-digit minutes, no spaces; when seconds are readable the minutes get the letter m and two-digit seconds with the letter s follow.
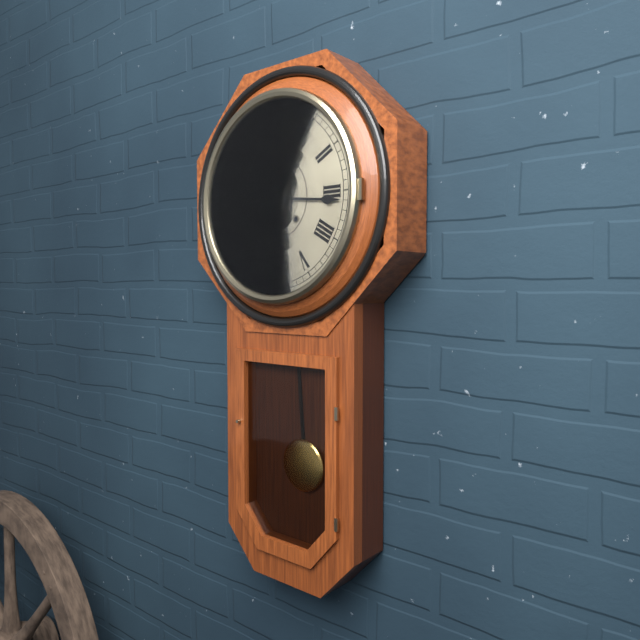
7h16
